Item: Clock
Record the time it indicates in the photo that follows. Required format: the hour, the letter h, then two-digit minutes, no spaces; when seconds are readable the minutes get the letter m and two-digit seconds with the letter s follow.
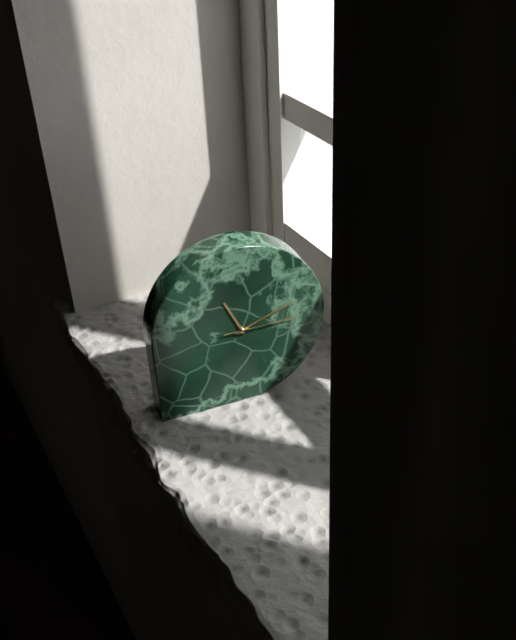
11h12m15s
